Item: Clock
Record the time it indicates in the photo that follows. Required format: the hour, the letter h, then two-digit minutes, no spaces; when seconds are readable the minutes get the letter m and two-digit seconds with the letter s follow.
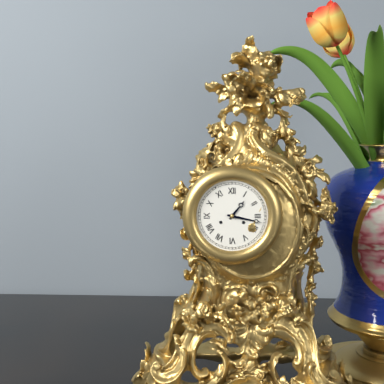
1h17
